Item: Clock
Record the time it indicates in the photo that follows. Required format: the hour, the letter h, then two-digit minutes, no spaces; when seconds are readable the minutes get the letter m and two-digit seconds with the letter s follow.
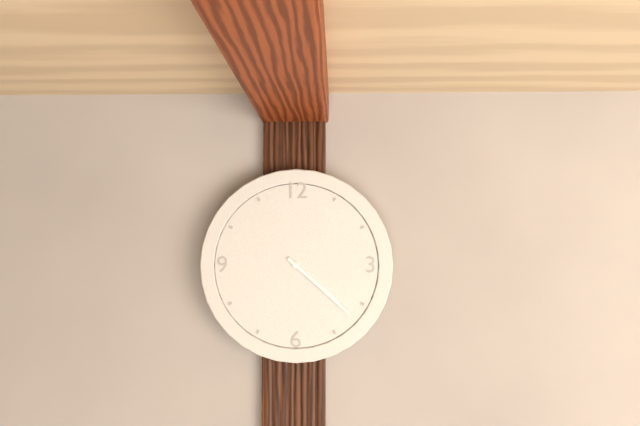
4h22
